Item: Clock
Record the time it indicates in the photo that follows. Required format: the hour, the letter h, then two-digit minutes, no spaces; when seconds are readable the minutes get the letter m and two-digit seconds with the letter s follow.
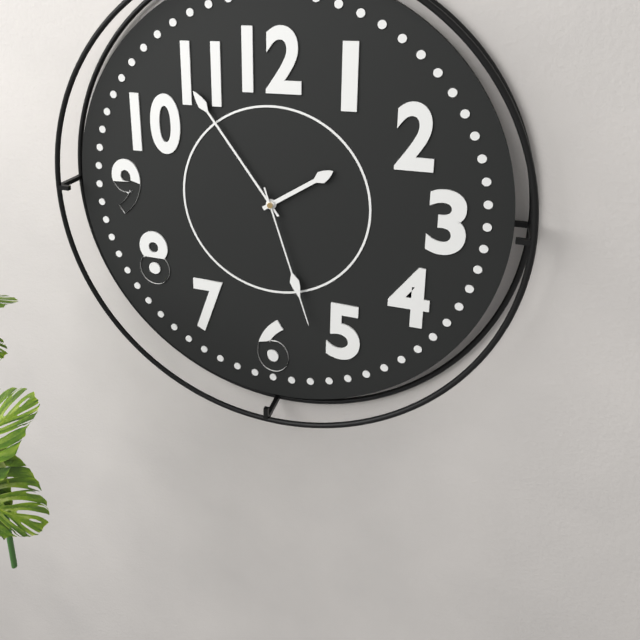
1h54m27s
